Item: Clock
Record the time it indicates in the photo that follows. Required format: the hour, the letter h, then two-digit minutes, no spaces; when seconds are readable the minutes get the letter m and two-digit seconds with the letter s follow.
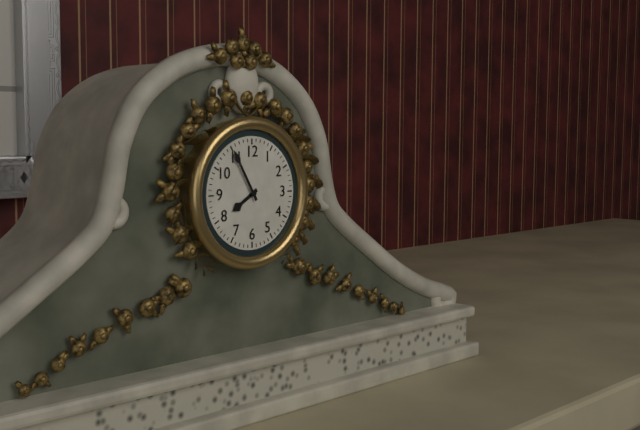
7h55
